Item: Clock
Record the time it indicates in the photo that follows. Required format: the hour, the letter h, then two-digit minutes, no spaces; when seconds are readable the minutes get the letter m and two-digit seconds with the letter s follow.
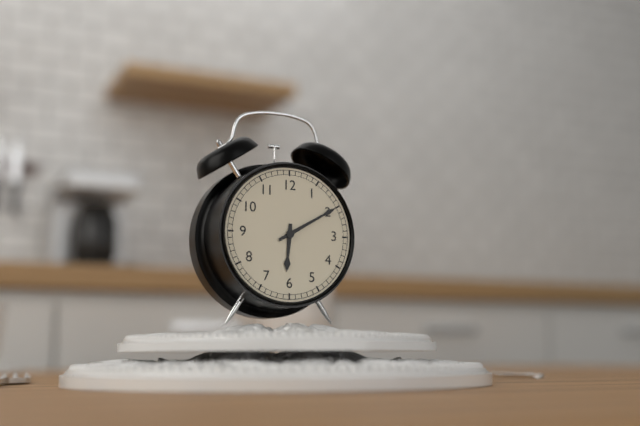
6h10
